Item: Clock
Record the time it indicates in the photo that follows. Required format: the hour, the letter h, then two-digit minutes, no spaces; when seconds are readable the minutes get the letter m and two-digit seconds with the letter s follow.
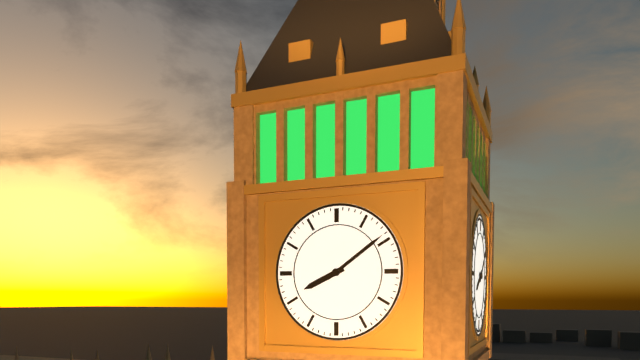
8h09
